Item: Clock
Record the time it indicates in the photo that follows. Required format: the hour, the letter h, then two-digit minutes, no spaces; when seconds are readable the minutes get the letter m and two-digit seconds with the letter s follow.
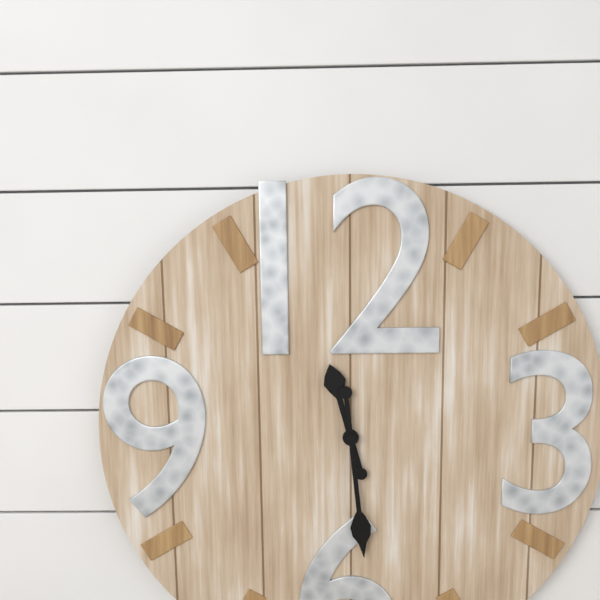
11h29
